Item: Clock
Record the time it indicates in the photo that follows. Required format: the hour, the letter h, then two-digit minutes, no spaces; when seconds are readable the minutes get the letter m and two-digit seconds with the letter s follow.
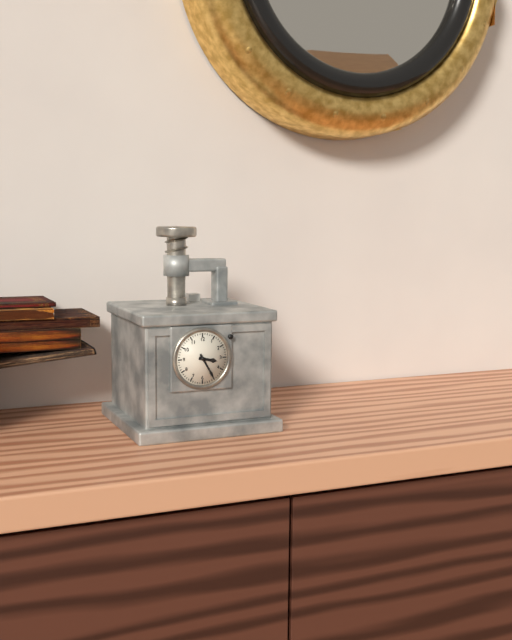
3h25
